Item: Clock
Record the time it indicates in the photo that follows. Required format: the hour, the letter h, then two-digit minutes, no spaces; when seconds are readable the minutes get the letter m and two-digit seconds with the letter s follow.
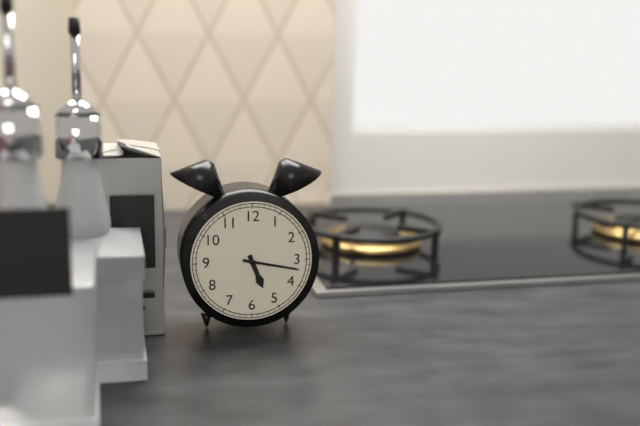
5h17
